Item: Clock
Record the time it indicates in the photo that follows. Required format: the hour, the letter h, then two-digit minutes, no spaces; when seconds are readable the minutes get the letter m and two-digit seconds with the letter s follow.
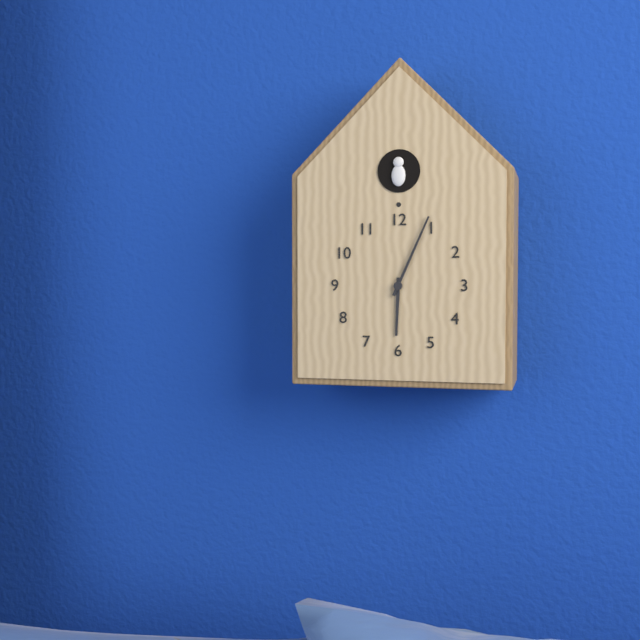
6h04
